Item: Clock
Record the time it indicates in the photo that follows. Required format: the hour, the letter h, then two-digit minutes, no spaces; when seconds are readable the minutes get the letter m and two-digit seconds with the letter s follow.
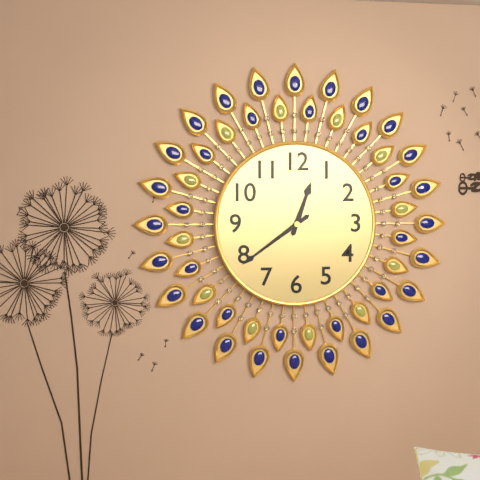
12h39
